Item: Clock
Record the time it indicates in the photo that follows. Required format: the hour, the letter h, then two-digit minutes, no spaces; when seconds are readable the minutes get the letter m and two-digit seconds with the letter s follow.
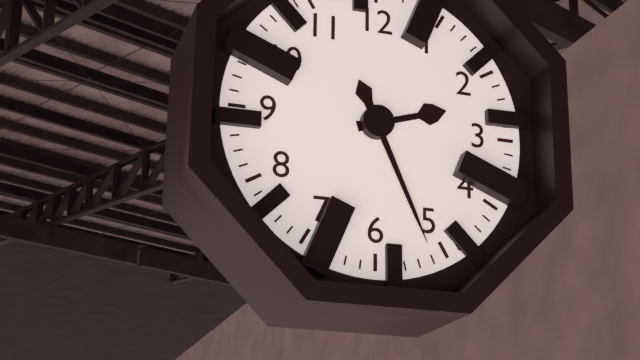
2h26
